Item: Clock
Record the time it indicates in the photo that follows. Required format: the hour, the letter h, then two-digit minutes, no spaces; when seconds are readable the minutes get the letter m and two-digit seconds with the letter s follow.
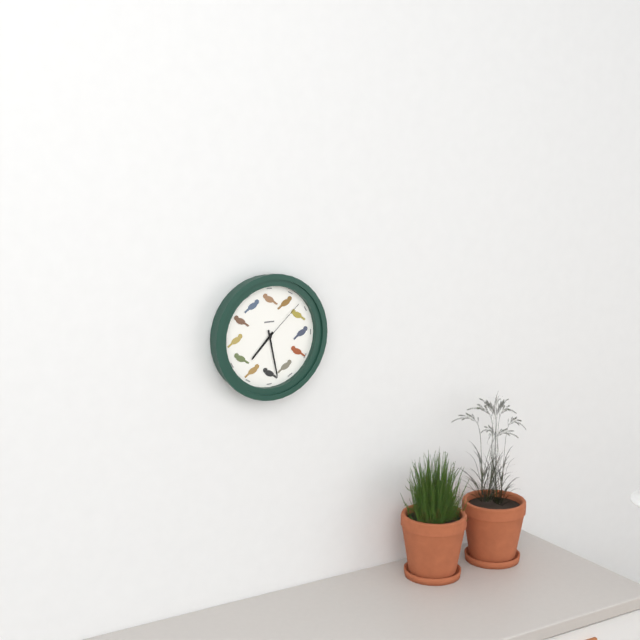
7h28m08s
